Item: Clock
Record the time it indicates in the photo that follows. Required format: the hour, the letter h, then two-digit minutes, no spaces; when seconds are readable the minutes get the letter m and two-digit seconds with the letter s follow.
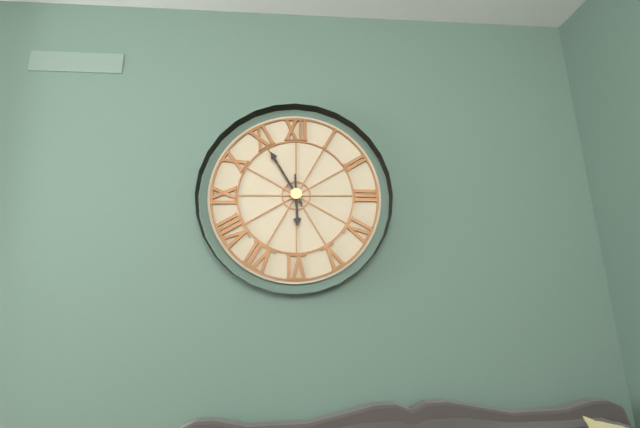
5h55
